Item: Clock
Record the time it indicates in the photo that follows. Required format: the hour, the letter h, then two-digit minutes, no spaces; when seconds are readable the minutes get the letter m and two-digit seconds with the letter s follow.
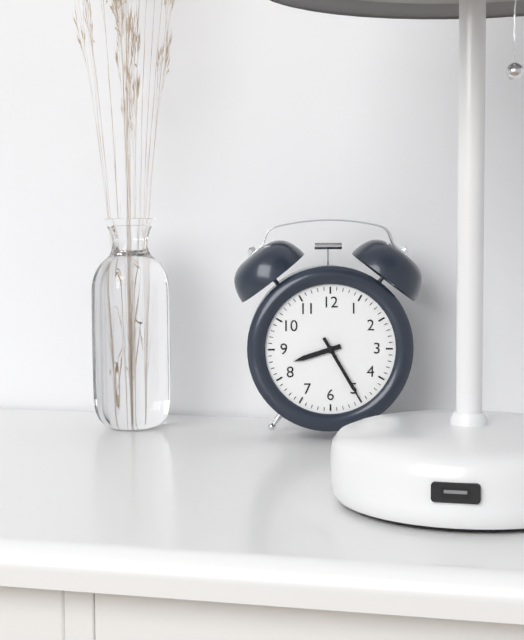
8h25
